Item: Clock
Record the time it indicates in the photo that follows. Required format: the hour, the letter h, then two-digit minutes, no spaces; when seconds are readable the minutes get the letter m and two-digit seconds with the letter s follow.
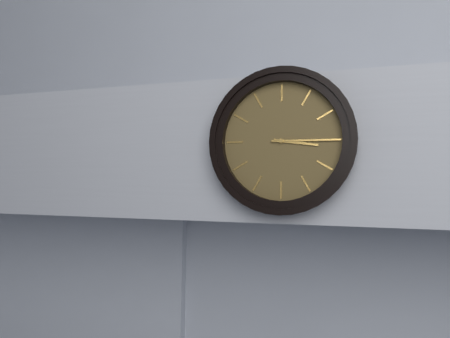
3h15
